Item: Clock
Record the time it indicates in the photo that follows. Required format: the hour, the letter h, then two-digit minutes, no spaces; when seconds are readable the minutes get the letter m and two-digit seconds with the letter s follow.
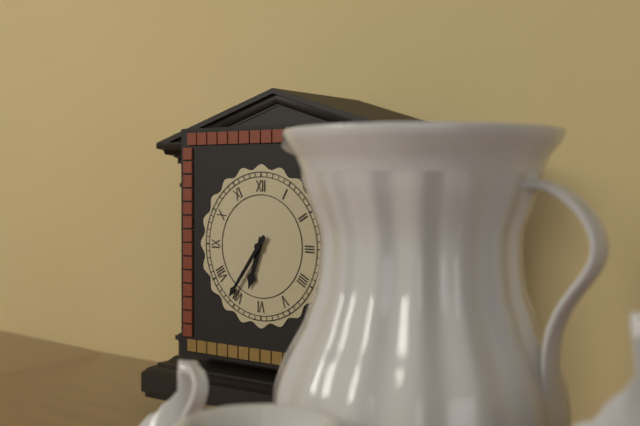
6h36
